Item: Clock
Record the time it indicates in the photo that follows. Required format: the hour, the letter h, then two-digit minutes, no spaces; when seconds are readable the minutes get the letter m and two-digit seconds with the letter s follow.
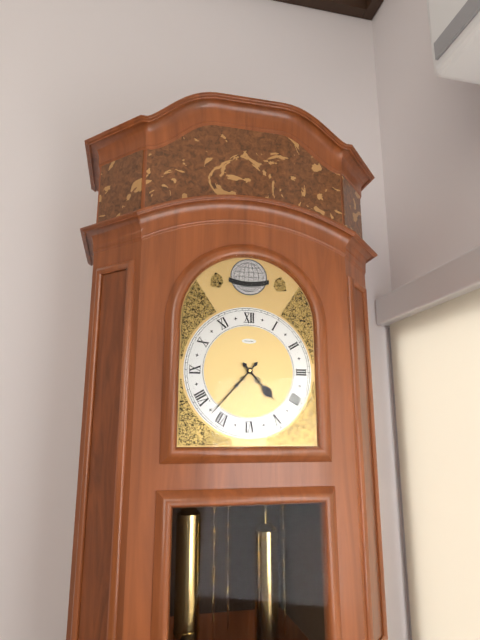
4h37
